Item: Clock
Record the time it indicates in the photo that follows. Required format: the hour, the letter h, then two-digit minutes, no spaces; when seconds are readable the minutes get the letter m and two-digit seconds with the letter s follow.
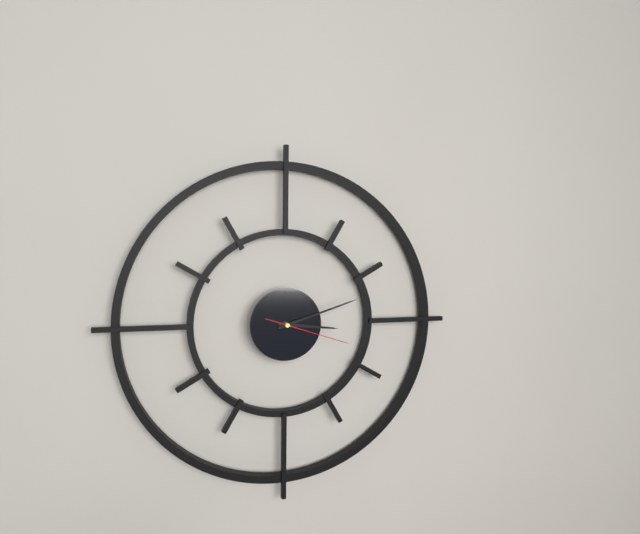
3h12m18s
